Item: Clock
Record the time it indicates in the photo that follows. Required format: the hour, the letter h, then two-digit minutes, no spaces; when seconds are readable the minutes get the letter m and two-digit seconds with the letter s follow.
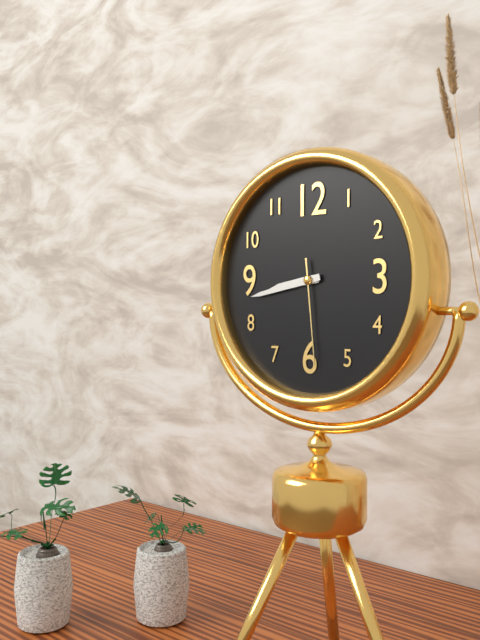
8h43m29s
